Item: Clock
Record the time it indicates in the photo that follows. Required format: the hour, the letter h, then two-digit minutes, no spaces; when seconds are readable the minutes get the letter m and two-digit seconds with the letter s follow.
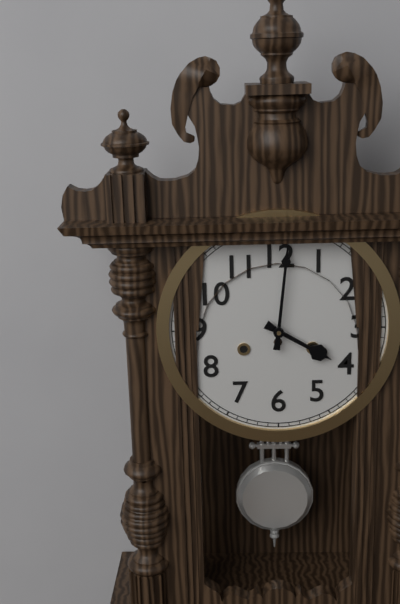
4h01
